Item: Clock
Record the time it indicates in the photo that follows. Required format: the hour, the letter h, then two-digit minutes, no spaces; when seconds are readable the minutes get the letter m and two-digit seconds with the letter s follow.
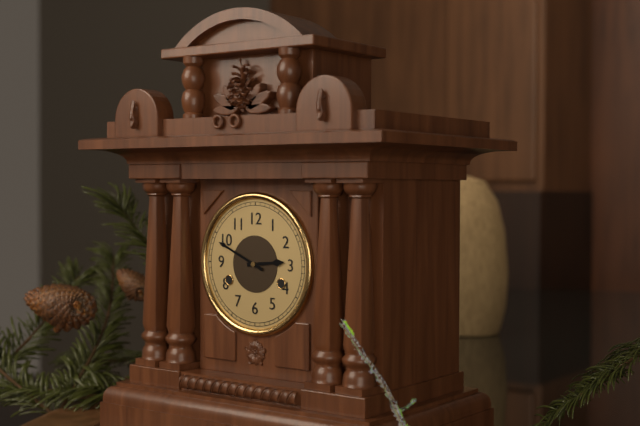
2h49
